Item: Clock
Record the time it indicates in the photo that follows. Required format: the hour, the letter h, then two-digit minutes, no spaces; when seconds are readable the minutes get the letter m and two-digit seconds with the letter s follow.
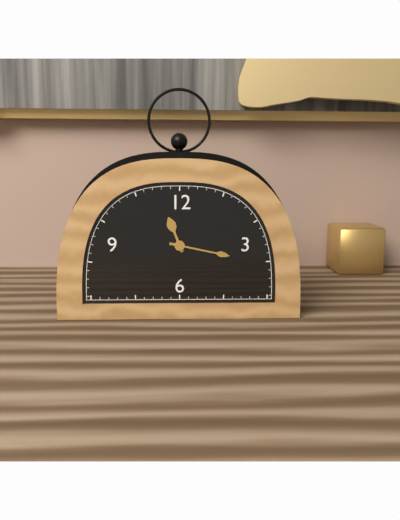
11h17
